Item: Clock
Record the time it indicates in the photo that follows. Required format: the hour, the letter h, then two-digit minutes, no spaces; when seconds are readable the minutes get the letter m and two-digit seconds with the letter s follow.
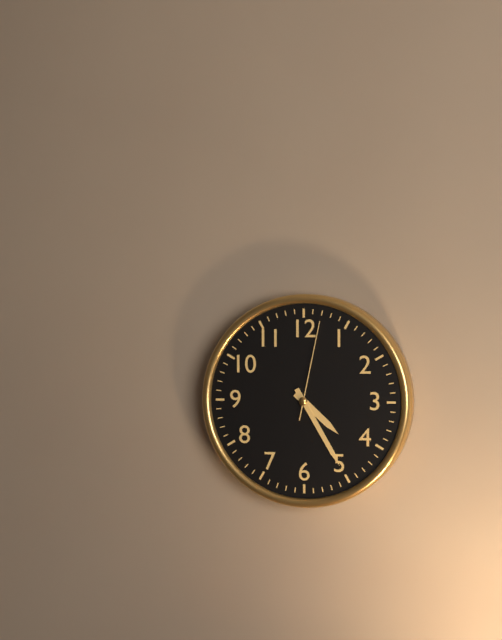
4h25m02s
